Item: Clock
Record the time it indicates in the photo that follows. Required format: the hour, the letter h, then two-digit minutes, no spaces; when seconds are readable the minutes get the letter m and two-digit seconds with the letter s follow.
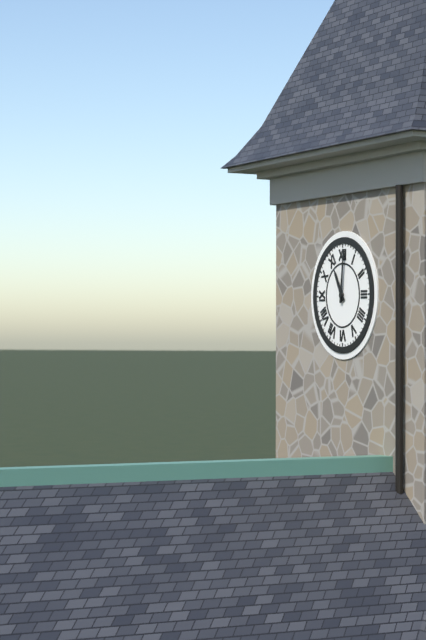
11h01
